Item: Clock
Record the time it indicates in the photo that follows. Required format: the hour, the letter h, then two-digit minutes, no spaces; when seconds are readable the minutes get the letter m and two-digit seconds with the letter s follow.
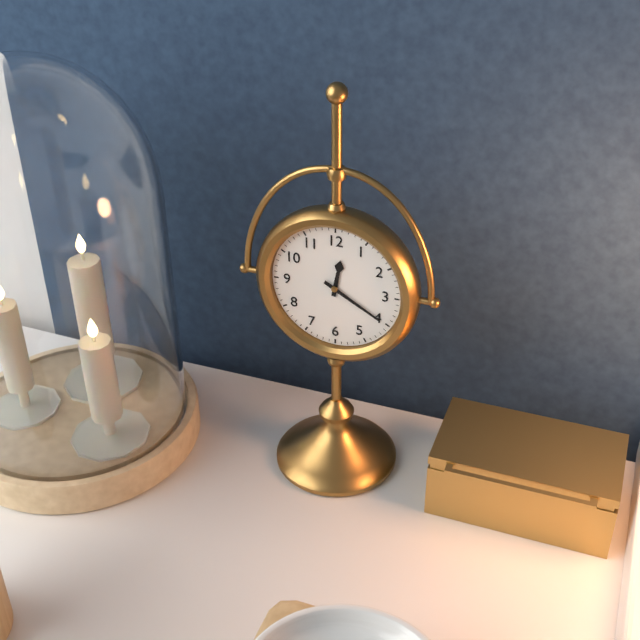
12h20
